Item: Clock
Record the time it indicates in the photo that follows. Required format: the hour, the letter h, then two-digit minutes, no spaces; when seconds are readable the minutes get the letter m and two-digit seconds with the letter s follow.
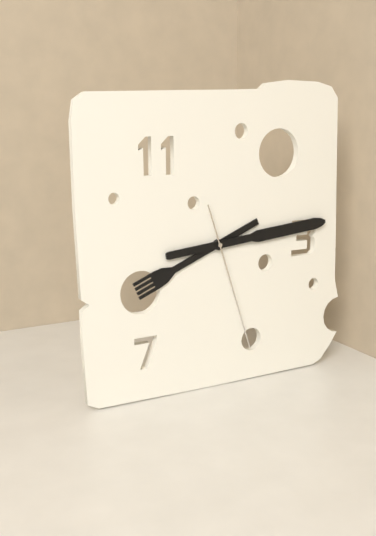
8h14m27s
